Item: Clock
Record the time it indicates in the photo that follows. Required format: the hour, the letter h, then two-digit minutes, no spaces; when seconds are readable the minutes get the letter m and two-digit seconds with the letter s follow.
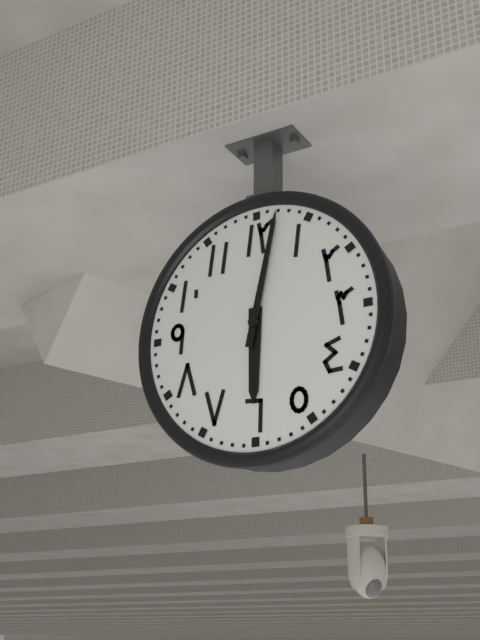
6h02
